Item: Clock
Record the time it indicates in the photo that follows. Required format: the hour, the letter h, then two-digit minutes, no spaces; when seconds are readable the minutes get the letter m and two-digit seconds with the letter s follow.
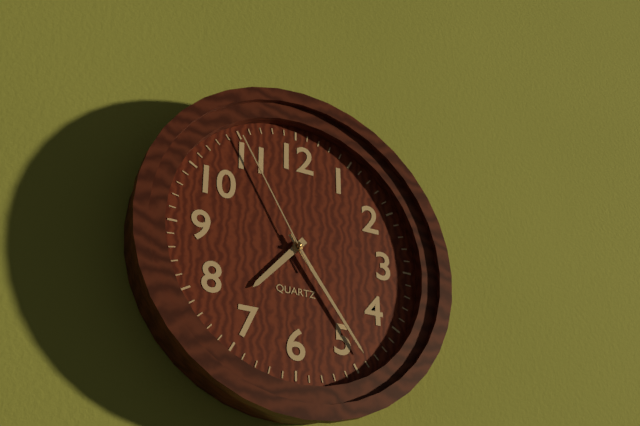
7h24m55s
